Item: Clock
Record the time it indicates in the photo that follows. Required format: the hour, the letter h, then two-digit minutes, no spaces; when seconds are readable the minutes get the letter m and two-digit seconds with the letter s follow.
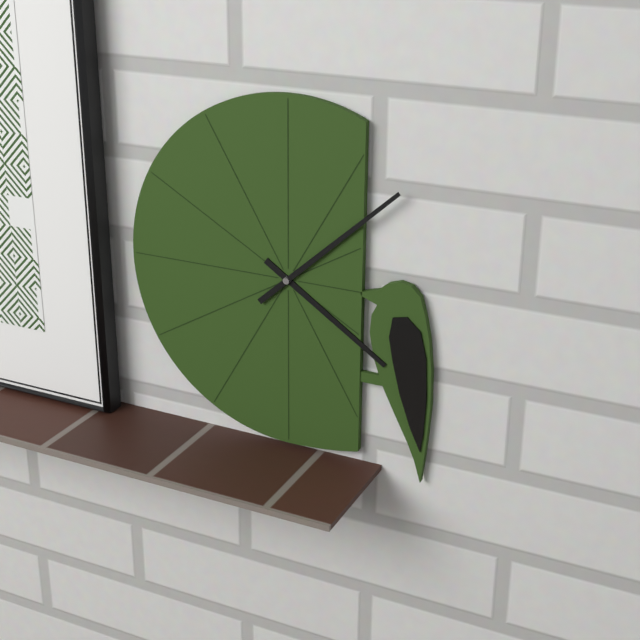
4h08
